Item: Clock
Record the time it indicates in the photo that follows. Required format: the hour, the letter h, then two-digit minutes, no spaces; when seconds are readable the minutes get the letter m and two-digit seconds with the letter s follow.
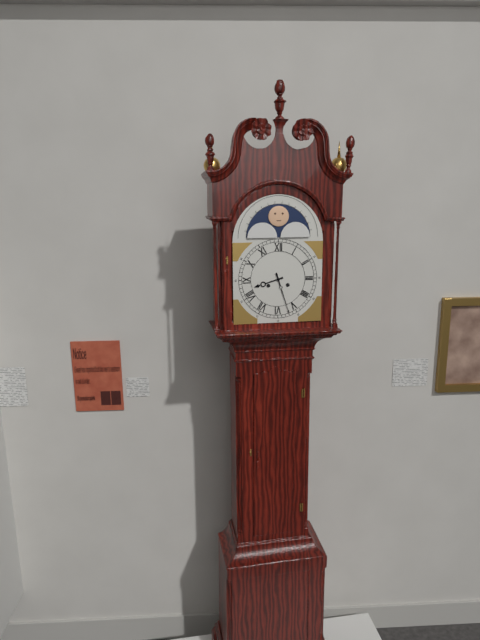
8h27
